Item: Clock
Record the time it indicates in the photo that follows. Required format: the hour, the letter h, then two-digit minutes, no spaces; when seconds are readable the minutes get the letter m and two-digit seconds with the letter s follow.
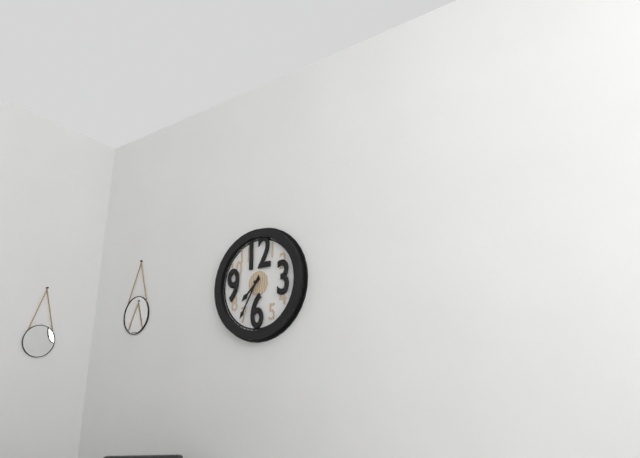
7h35
